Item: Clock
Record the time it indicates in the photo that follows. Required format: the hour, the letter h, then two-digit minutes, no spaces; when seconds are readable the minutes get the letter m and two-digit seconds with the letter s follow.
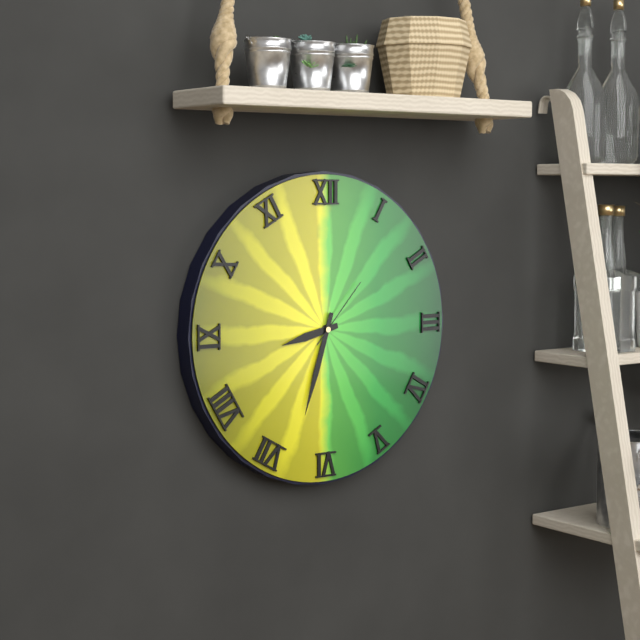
8h33m07s
